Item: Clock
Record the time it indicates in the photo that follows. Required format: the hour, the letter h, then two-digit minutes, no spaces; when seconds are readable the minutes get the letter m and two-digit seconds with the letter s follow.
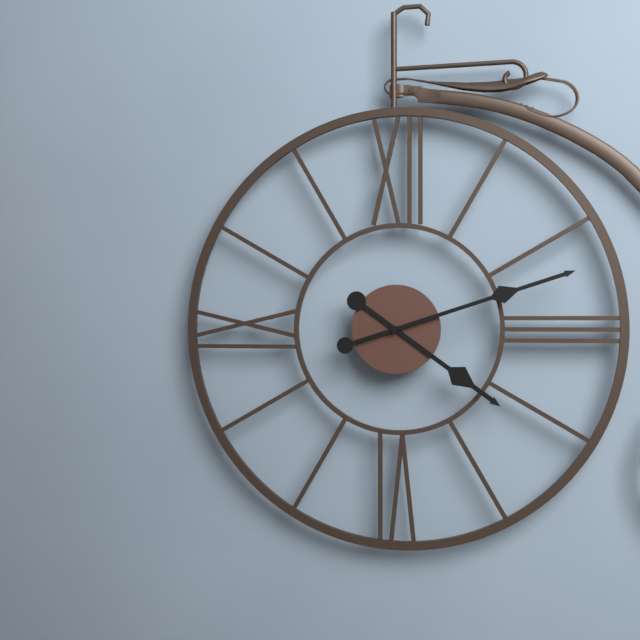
4h12
